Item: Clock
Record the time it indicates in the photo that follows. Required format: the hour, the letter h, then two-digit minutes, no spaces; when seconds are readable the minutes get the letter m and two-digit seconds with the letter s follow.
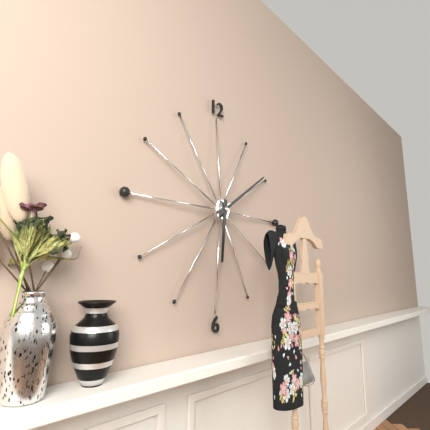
6h09
